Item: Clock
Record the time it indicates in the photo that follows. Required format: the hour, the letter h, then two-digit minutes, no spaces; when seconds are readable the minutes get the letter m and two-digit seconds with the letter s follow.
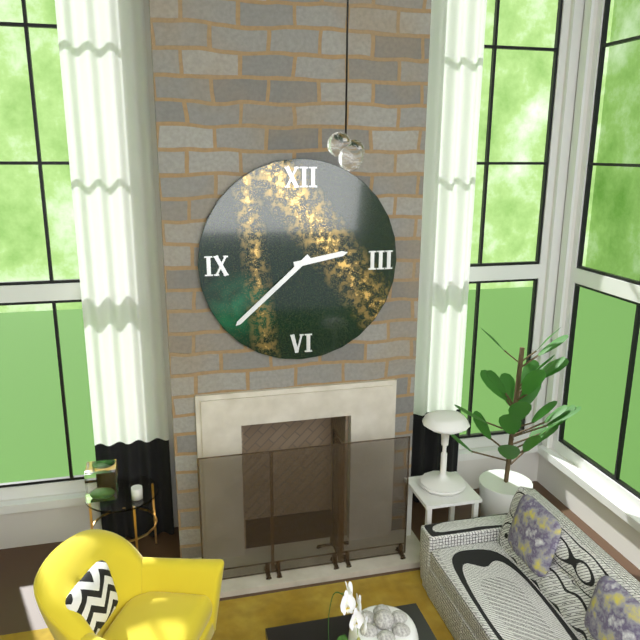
2h38
